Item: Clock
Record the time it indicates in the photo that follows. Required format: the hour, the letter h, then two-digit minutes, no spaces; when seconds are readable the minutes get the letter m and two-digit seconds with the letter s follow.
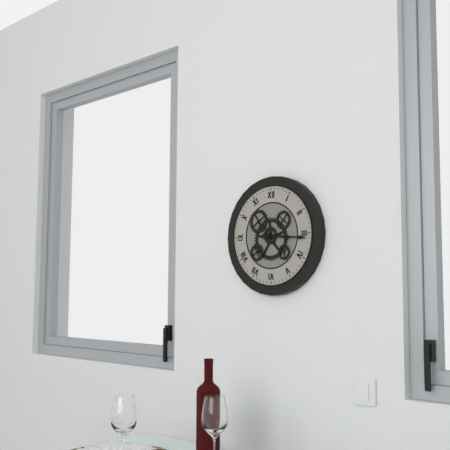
3h16
